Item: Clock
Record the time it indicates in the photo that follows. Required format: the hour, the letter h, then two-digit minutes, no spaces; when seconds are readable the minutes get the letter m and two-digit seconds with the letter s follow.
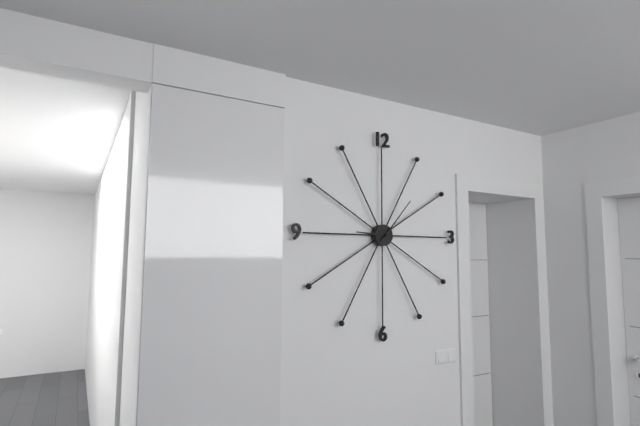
9h07
